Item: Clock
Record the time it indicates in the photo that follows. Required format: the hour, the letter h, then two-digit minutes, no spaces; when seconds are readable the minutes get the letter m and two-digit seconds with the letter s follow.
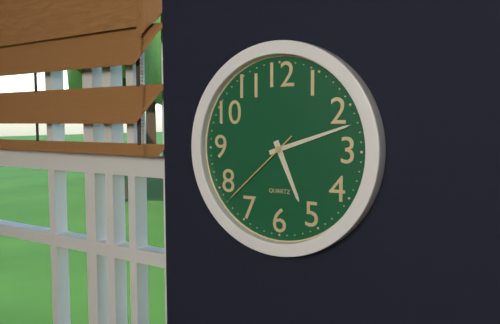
5h12m38s
